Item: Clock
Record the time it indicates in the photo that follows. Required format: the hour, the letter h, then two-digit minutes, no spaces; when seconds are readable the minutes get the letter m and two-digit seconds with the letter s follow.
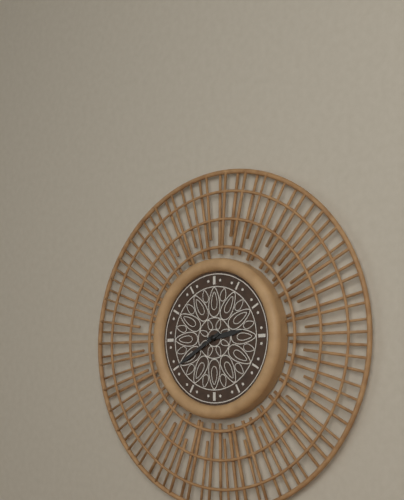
2h40
